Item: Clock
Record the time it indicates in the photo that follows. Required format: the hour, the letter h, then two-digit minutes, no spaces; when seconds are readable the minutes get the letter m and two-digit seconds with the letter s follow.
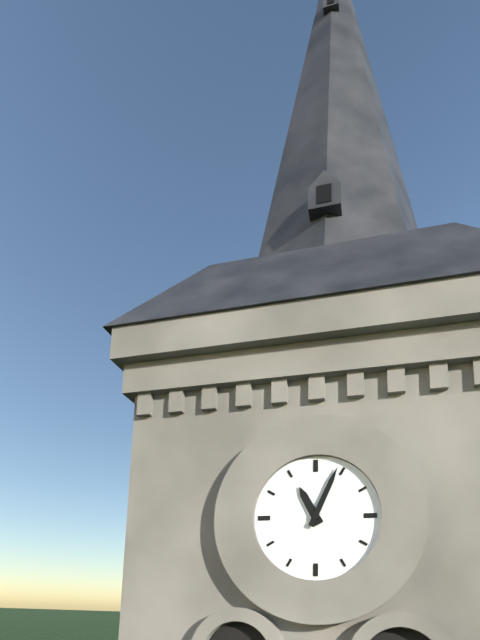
11h04
